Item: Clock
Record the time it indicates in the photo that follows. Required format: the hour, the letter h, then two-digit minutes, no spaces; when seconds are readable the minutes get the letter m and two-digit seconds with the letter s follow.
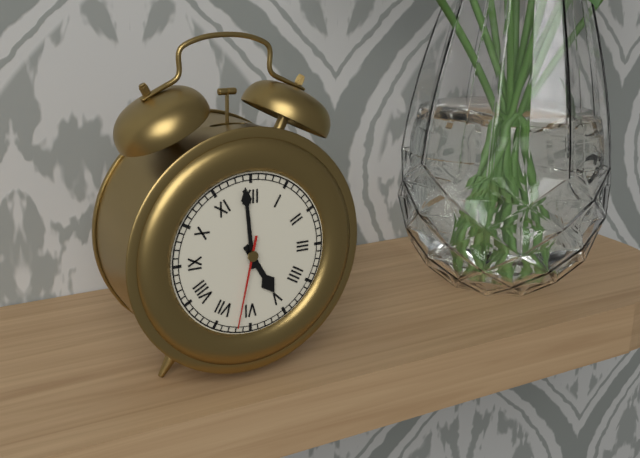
4h59m32s
